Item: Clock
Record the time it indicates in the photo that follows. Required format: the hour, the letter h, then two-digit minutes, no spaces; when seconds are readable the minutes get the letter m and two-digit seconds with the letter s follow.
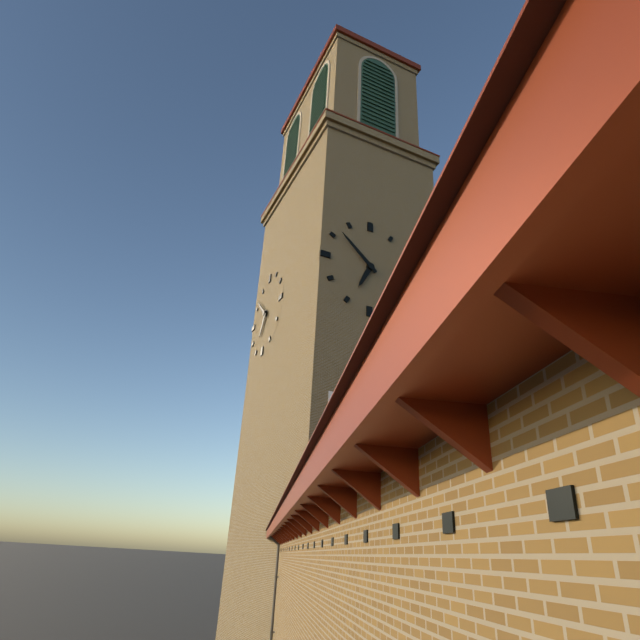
6h52
